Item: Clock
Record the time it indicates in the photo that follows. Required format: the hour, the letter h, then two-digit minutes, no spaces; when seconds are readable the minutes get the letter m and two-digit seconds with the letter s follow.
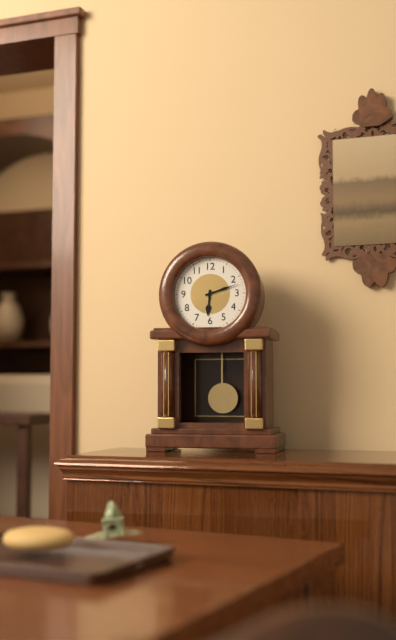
6h12
